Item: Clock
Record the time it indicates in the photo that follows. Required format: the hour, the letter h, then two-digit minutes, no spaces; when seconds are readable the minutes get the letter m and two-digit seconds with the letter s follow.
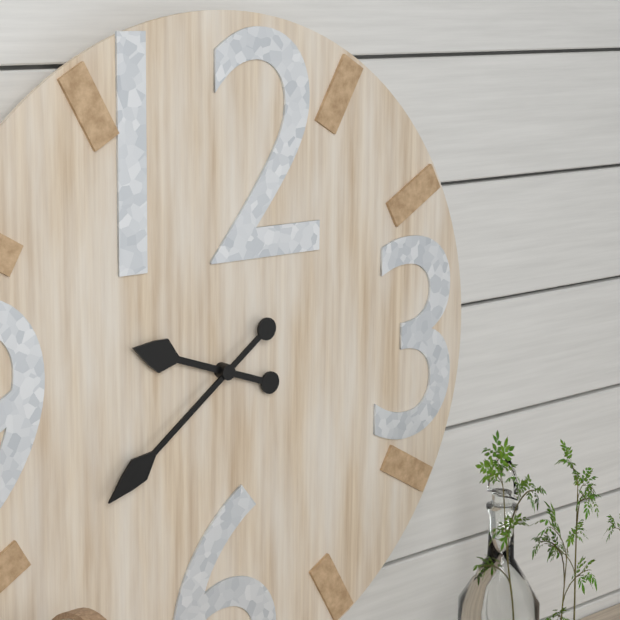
9h39
